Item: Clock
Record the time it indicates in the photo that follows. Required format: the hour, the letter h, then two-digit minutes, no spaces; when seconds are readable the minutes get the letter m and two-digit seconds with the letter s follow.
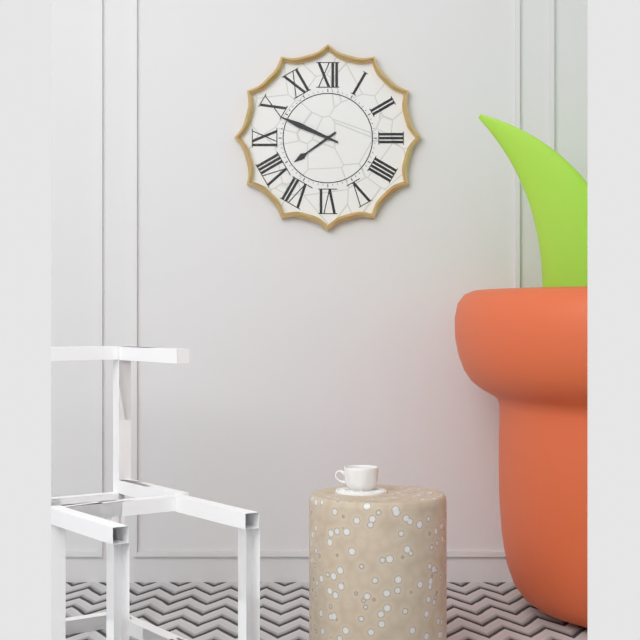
7h49
